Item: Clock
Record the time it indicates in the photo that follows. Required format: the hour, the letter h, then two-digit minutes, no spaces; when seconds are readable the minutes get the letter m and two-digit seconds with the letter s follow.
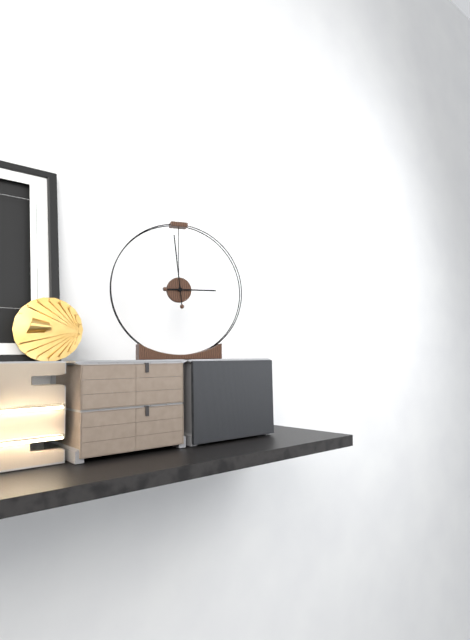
2h59
